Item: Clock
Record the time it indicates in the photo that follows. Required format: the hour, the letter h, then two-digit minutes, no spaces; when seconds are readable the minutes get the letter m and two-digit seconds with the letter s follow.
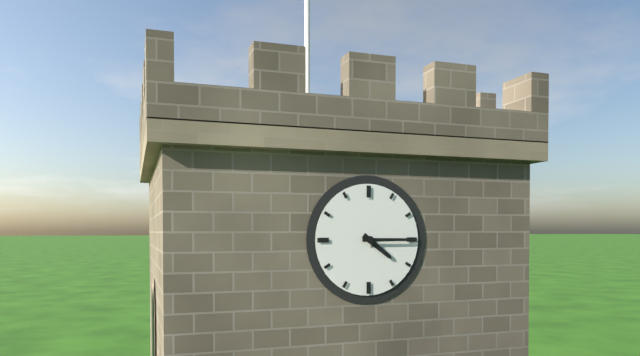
4h15
